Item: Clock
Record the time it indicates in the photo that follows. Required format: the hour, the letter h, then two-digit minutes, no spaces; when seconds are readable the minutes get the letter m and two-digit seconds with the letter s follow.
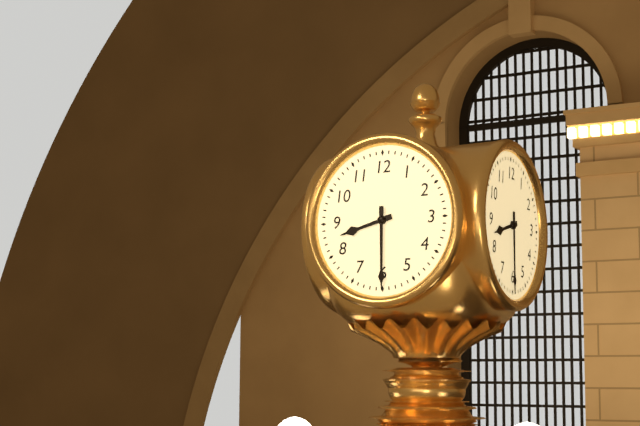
8h30
